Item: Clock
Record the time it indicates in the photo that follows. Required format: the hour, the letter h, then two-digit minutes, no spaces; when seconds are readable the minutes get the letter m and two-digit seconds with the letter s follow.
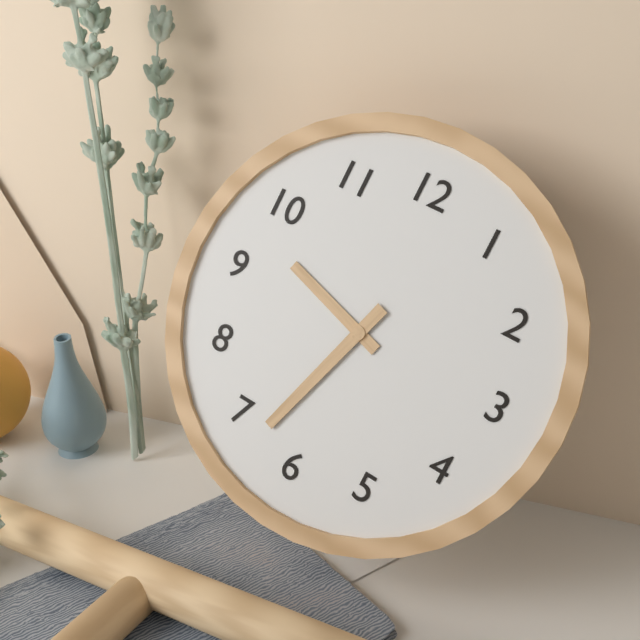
9h33
